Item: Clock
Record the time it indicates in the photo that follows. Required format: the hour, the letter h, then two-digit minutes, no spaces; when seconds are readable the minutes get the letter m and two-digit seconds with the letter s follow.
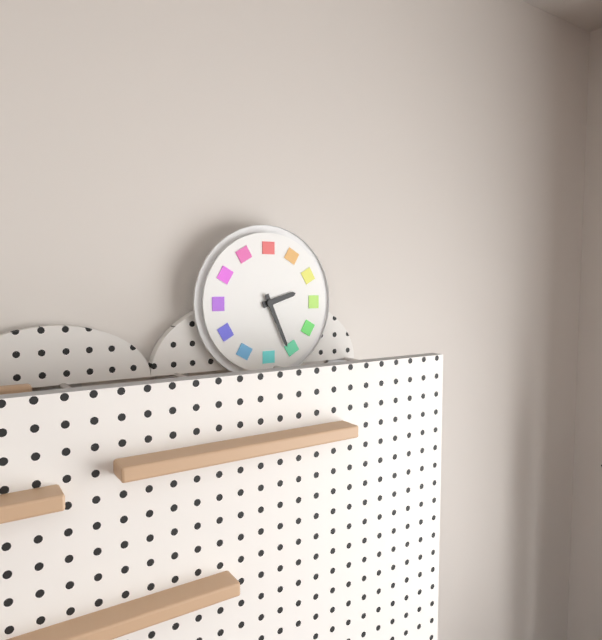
2h26
